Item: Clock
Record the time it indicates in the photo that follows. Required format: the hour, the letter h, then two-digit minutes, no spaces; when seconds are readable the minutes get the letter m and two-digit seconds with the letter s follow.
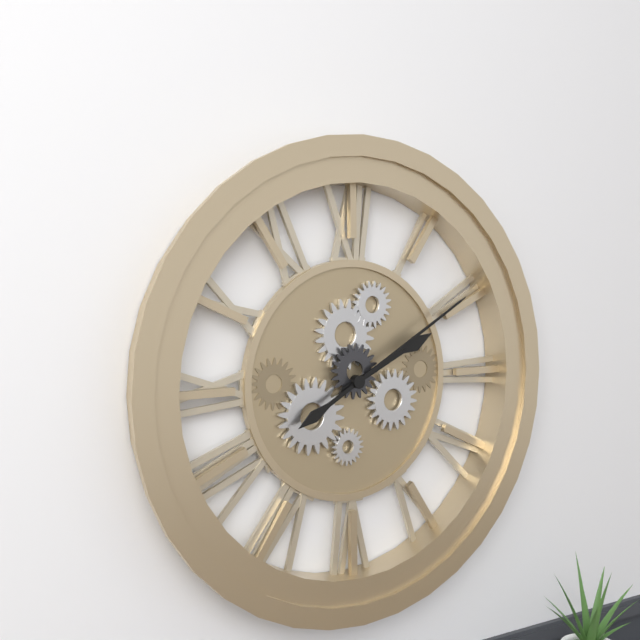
2h10
